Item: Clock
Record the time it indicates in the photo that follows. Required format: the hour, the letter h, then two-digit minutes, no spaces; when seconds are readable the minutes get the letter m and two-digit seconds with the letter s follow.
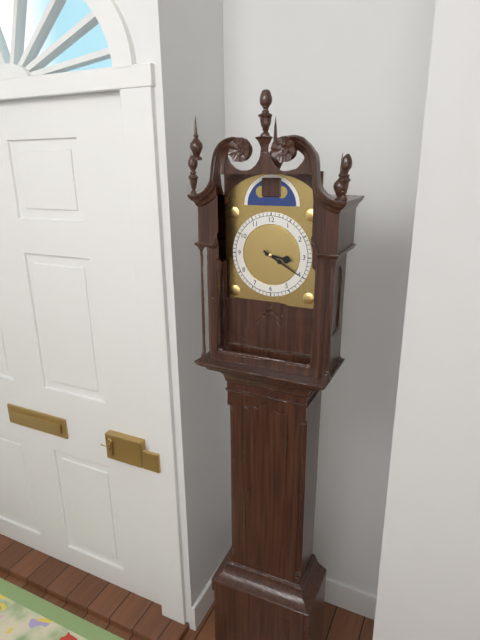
3h20
